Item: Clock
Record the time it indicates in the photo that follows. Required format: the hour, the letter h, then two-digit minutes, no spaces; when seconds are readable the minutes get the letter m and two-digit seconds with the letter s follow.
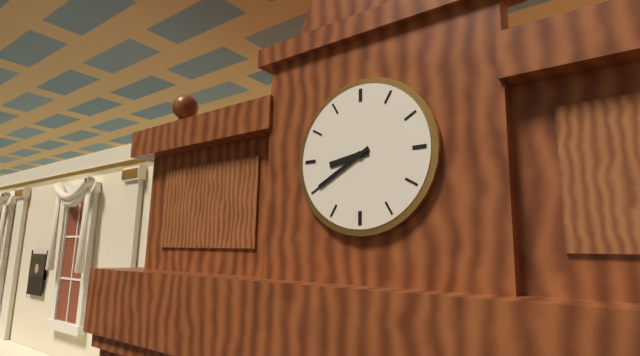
8h40
